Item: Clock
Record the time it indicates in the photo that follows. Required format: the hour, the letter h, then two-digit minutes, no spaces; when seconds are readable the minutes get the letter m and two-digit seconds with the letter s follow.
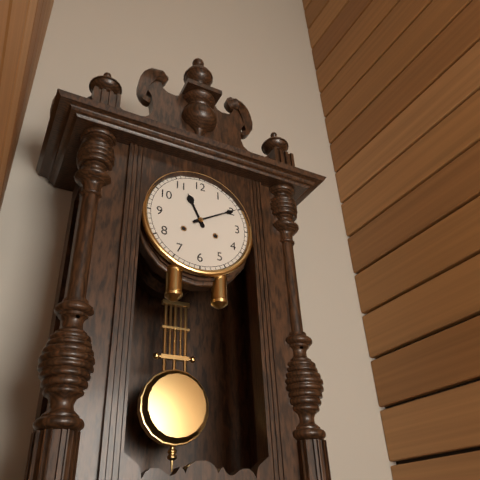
11h10
